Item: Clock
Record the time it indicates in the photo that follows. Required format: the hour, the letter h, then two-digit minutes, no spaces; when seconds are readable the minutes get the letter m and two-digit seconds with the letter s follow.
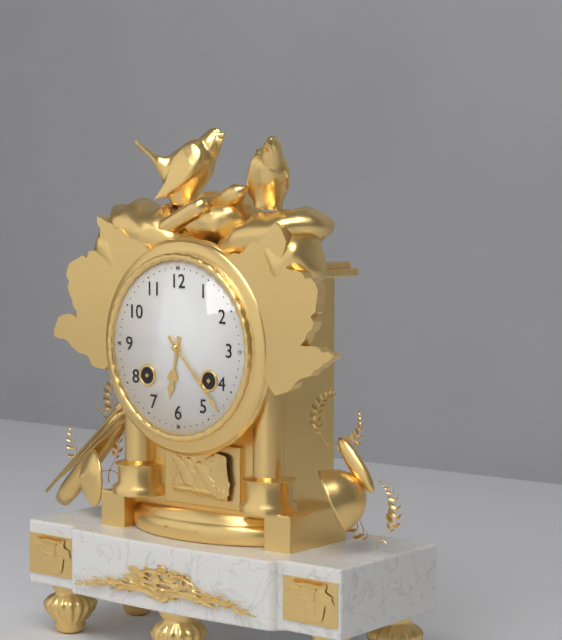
6h23
